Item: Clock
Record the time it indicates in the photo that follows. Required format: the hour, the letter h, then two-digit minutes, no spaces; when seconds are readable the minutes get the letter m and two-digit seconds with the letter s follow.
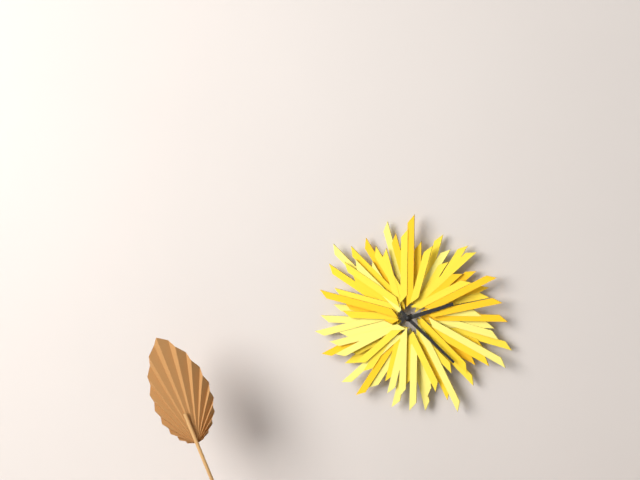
2h22
